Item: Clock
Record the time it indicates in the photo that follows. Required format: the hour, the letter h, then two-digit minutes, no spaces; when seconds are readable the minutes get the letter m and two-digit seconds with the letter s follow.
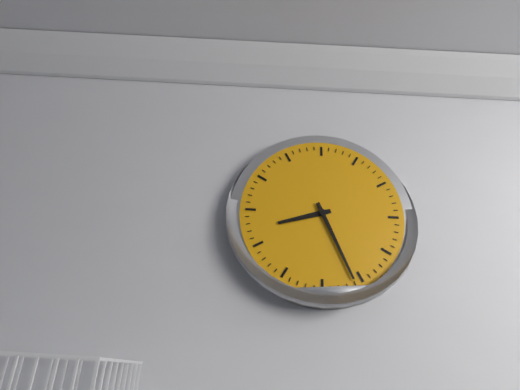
8h26
